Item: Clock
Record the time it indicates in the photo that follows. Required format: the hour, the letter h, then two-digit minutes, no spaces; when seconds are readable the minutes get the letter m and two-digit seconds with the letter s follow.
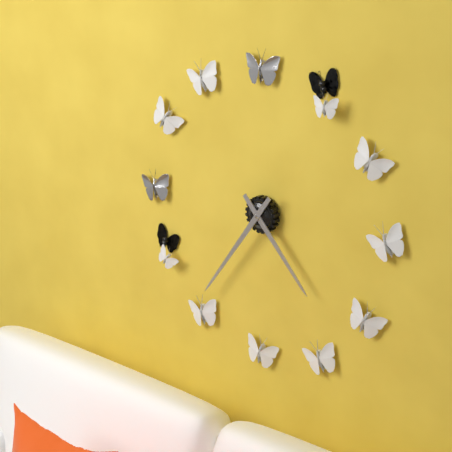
4h36
